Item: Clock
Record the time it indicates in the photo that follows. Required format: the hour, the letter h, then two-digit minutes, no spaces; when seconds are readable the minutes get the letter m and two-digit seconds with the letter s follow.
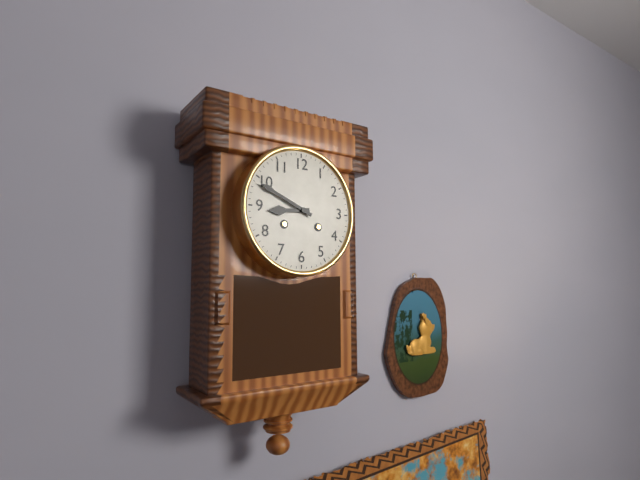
8h49
